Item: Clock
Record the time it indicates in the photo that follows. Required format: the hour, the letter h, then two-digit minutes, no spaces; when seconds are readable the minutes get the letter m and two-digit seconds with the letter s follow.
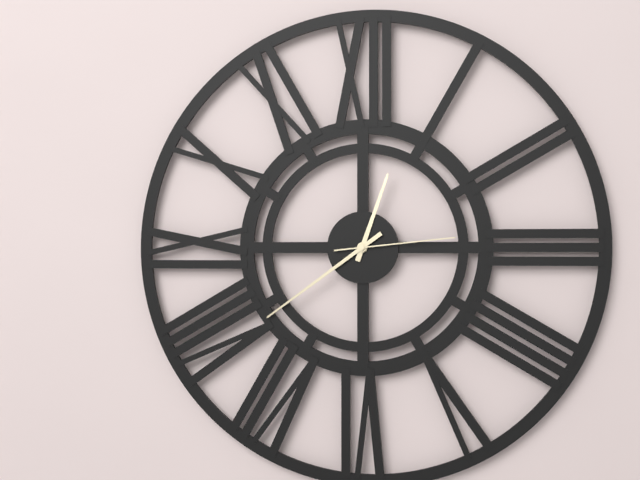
12h39m14s
